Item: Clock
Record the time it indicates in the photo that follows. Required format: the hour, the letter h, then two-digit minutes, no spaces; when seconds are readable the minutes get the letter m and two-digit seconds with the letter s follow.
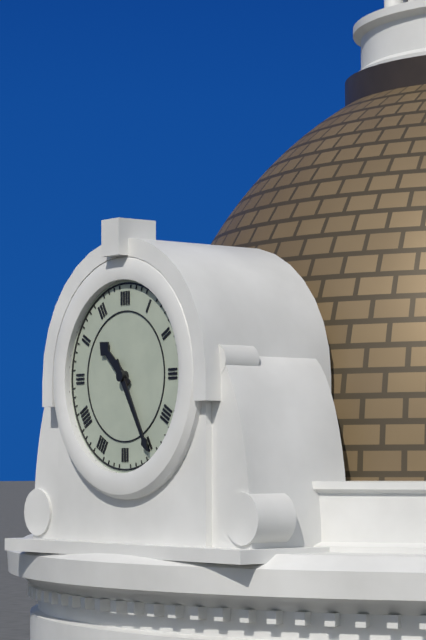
10h25
